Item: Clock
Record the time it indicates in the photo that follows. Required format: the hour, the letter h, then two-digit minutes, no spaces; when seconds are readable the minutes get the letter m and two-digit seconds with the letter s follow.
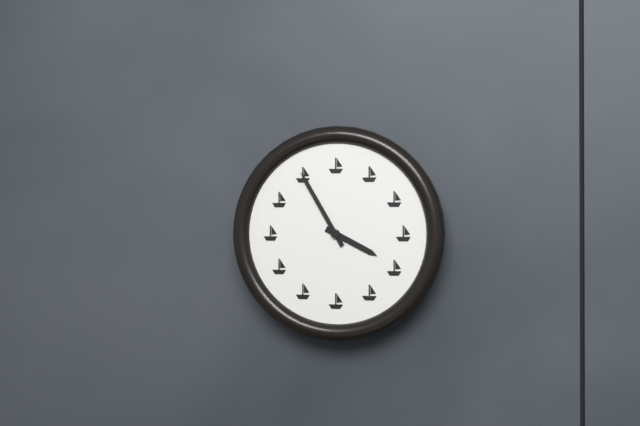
3h55
